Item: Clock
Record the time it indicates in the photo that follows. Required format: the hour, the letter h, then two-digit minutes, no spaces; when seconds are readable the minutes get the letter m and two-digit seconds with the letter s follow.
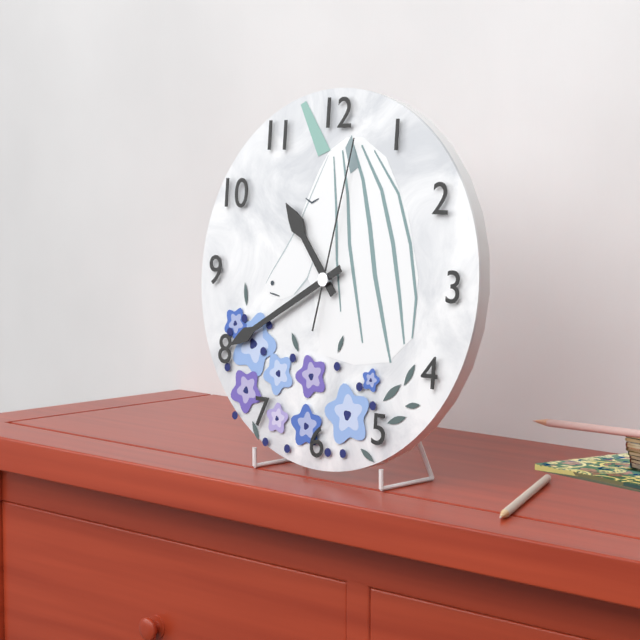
10h40m02s
